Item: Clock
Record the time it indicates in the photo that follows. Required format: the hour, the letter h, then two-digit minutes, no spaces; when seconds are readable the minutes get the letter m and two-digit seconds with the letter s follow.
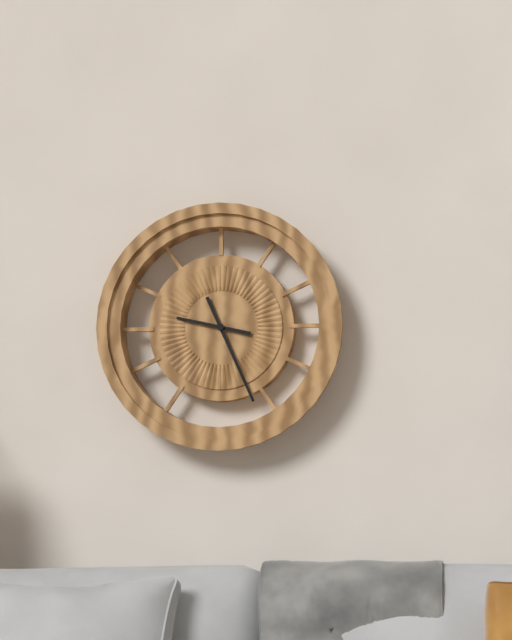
9h26
